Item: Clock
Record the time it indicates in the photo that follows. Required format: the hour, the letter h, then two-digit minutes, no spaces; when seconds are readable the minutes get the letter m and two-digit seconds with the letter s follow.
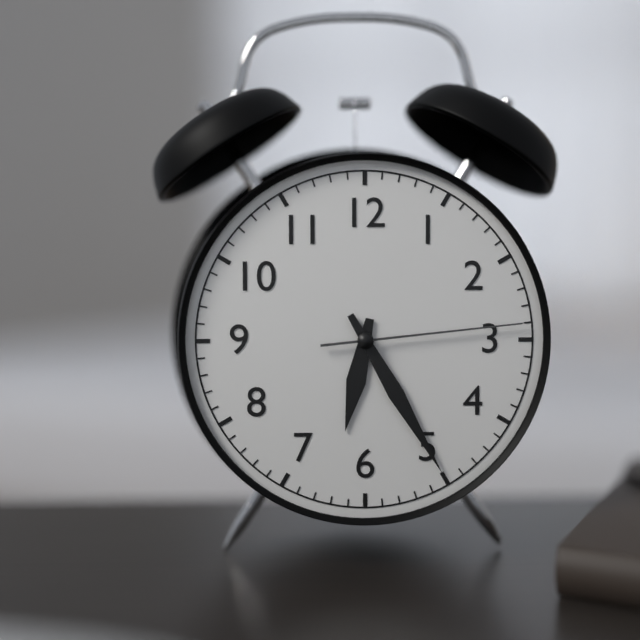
6h25m14s
